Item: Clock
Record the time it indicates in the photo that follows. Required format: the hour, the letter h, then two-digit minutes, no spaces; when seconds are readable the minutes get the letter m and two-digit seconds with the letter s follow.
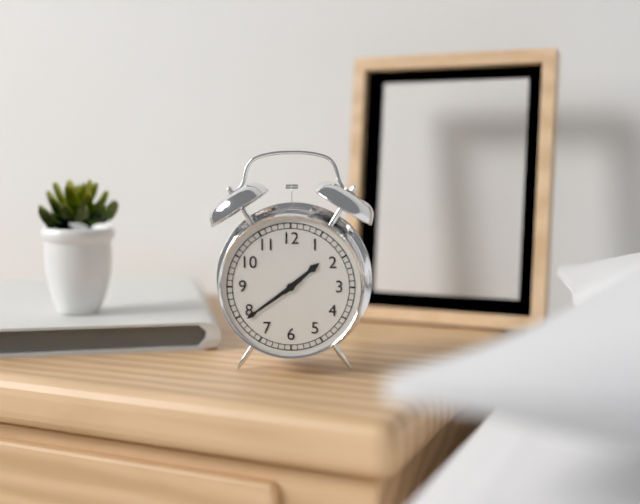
1h39
